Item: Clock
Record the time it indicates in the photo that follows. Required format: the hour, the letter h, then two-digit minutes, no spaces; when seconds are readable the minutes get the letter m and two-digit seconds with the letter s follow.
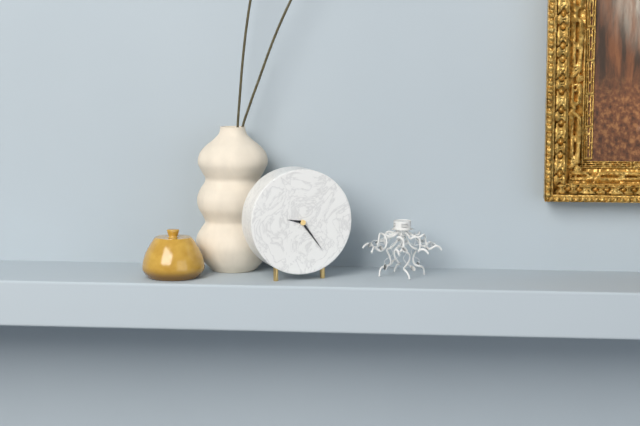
9h24
